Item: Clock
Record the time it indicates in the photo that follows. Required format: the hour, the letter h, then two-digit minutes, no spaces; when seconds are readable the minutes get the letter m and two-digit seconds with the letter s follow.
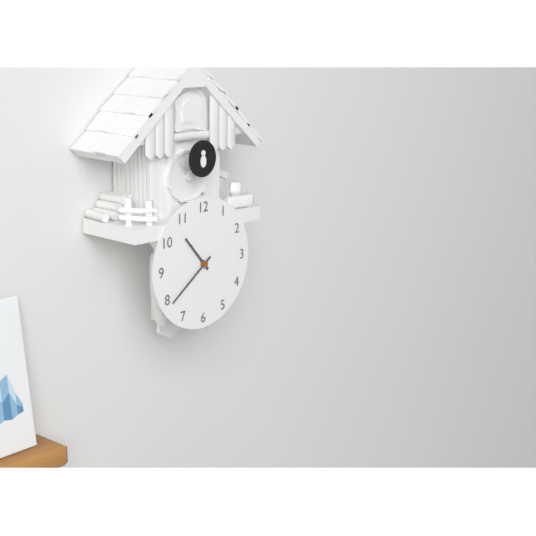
10h39
